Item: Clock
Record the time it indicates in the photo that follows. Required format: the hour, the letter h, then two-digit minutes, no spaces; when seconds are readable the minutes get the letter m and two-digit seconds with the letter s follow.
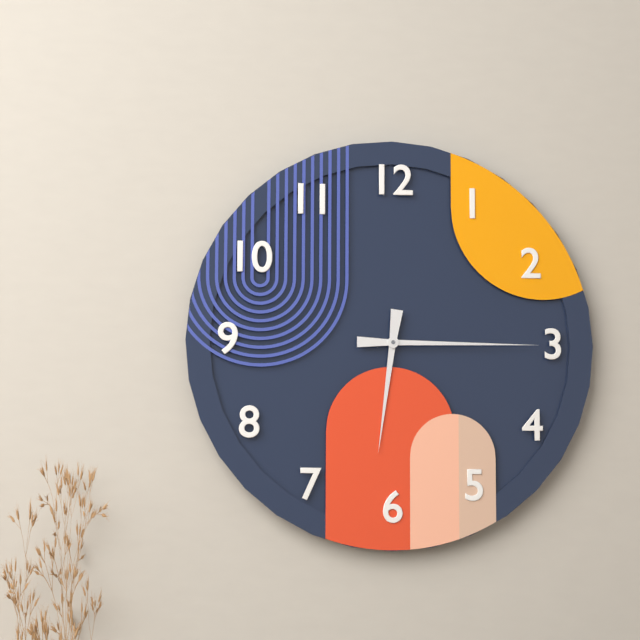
6h15
